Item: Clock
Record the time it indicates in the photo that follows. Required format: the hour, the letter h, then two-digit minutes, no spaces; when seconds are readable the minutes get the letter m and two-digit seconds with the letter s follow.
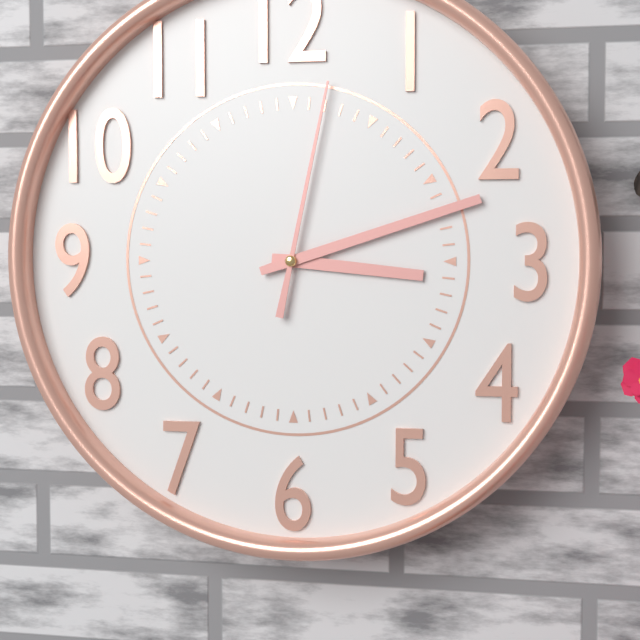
3h12m02s
